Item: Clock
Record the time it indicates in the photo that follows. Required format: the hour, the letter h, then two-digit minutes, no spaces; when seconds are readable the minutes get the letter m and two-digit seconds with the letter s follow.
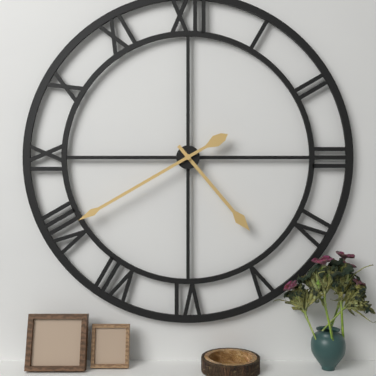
4h40
